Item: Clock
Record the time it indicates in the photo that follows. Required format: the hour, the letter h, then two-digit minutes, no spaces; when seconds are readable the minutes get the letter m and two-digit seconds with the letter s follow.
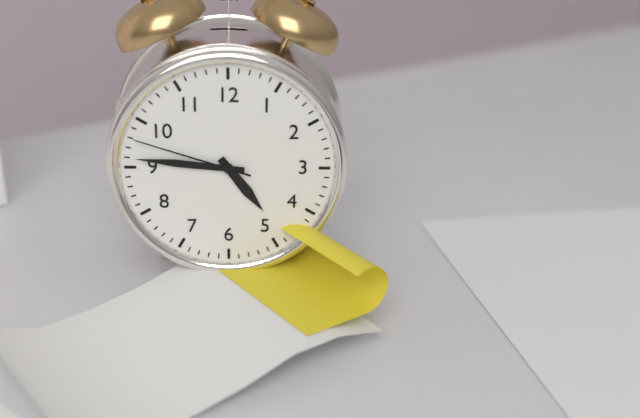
4h46m48s
